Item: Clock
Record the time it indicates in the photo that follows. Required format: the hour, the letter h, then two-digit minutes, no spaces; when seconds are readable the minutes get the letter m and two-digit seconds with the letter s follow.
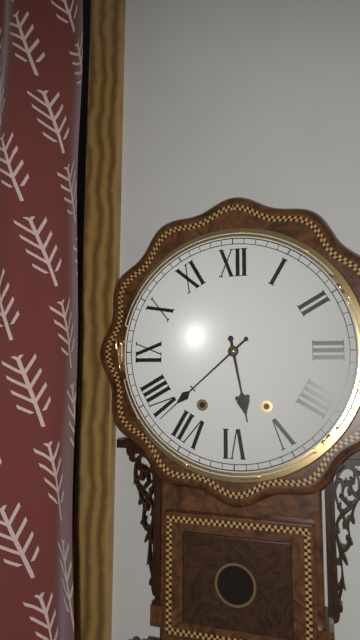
5h38
